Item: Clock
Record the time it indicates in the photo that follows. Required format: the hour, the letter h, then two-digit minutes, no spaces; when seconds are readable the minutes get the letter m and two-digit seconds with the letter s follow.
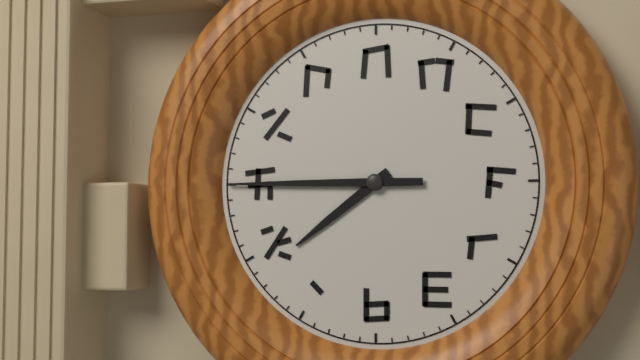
7h45
